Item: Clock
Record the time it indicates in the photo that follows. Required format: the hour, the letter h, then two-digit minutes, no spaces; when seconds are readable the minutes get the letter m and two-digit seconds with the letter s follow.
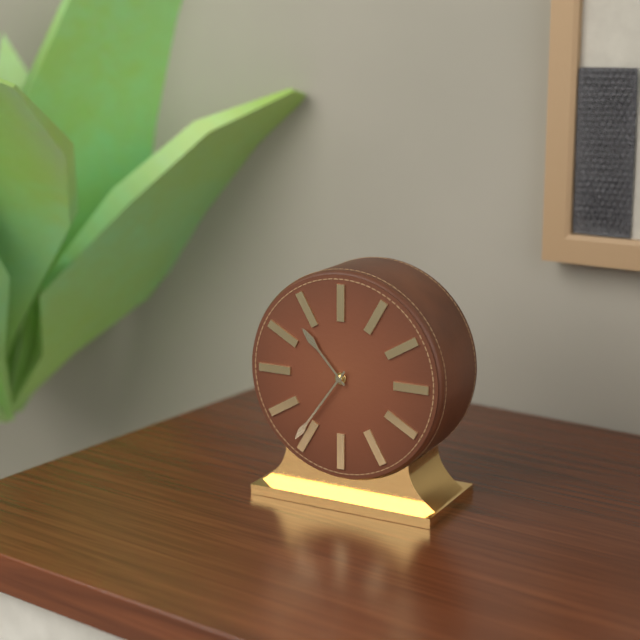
10h36
